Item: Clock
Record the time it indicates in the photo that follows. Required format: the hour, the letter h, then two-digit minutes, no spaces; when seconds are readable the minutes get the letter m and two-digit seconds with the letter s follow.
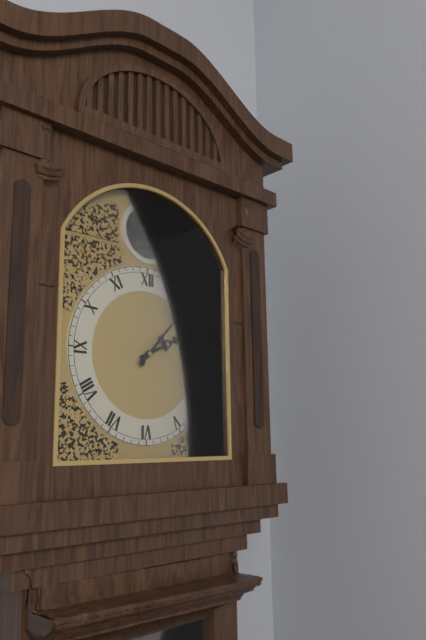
2h07
